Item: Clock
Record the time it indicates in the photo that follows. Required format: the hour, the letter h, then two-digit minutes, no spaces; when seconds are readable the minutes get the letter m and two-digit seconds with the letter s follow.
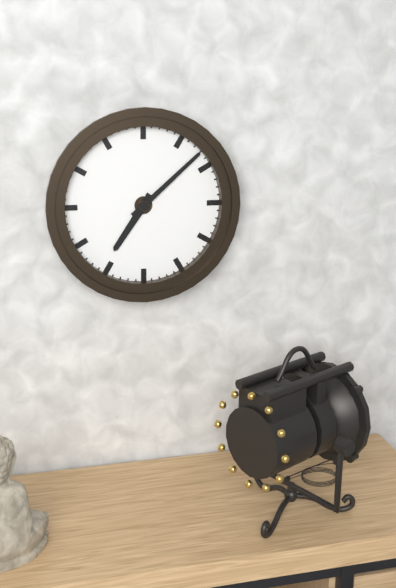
7h08
